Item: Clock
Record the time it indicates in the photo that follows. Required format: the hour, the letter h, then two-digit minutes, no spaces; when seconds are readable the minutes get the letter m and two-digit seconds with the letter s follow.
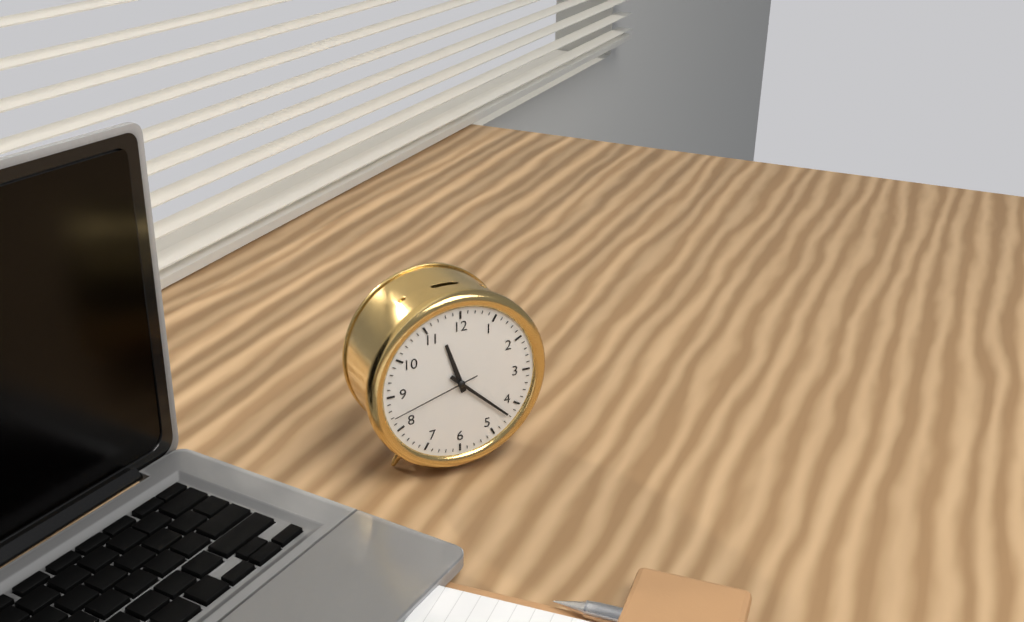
11h22m42s
